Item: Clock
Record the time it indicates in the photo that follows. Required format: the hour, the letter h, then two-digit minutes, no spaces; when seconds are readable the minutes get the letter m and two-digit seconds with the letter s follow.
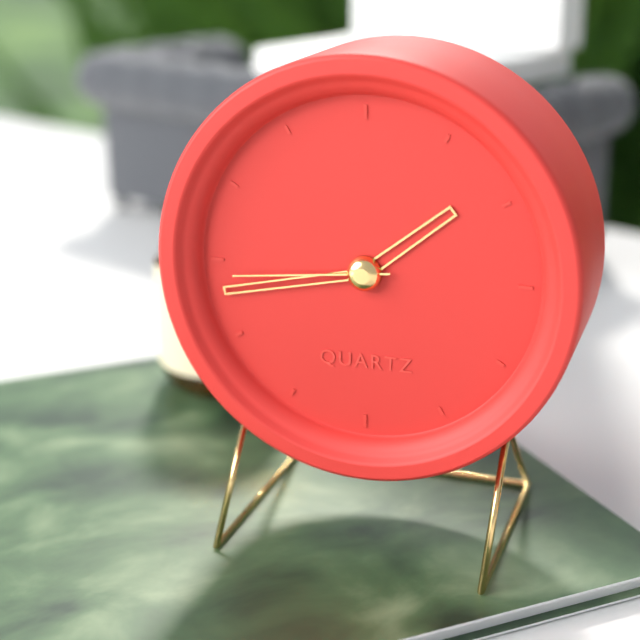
1h43m44s
